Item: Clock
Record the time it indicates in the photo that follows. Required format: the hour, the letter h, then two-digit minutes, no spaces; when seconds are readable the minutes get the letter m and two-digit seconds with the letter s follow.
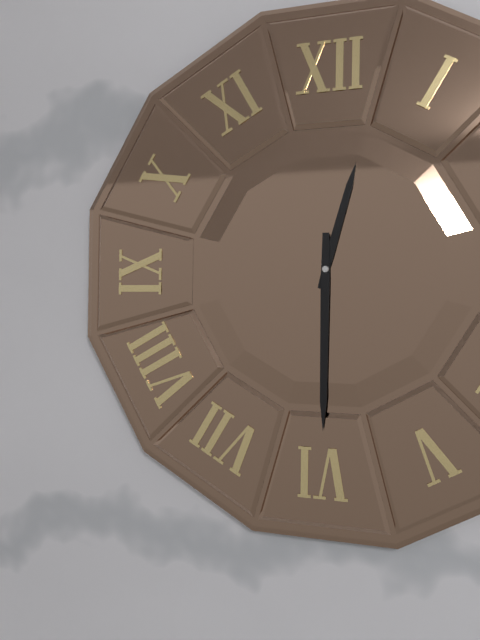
12h30
